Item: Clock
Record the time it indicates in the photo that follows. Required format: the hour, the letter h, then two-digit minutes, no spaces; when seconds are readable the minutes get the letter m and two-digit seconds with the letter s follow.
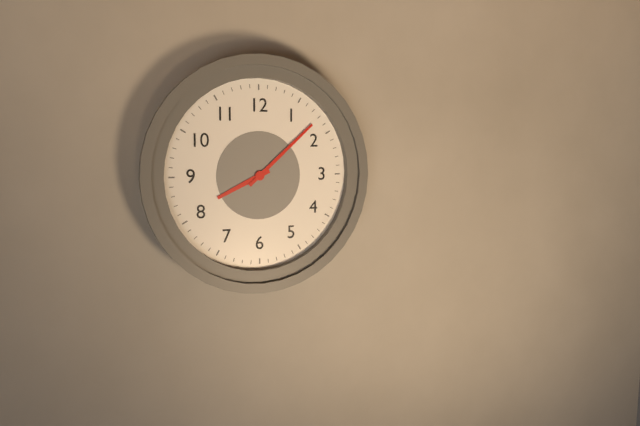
8h08
